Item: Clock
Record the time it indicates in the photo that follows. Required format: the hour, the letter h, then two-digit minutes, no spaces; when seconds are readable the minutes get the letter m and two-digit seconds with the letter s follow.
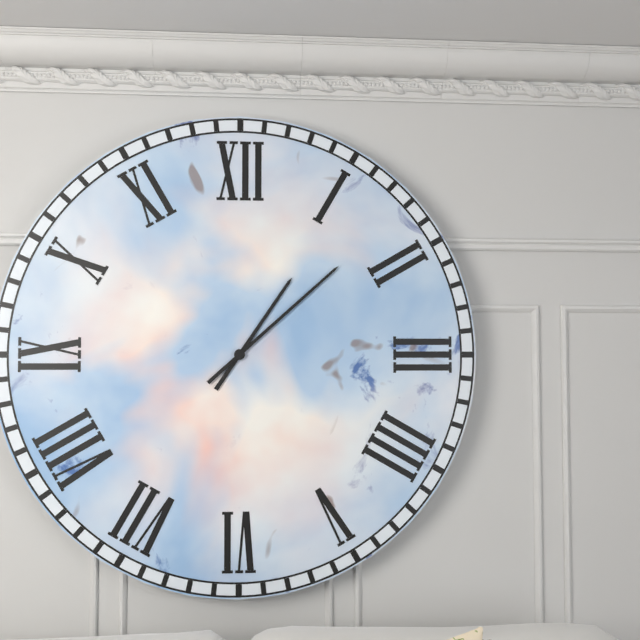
1h08
